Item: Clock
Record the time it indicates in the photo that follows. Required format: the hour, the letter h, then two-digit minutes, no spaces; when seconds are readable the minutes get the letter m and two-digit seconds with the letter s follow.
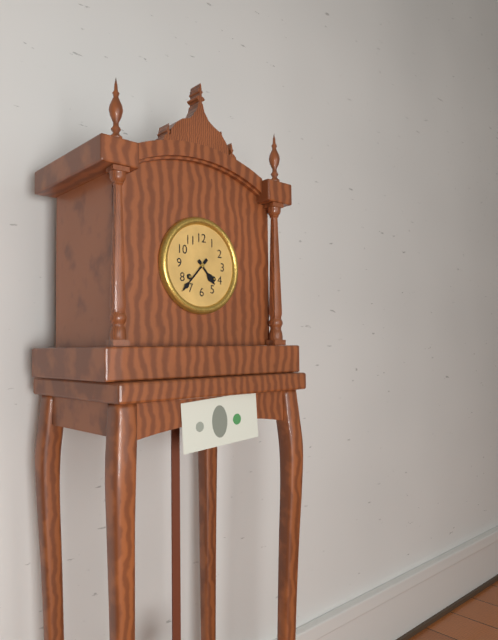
4h37
